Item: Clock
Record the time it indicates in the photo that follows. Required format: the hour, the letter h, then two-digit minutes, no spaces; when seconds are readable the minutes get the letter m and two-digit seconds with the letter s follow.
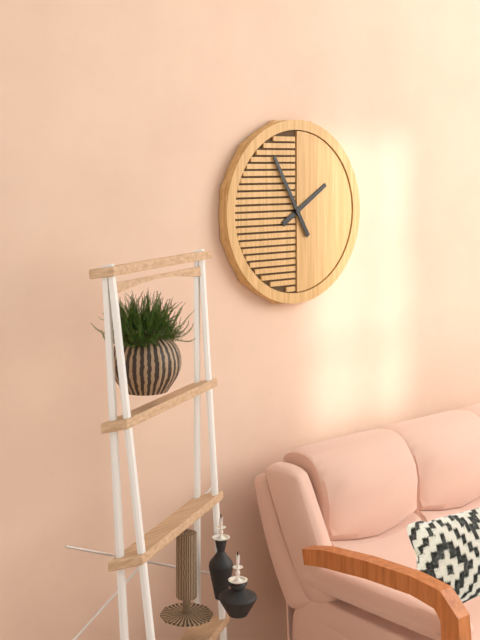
1h55
